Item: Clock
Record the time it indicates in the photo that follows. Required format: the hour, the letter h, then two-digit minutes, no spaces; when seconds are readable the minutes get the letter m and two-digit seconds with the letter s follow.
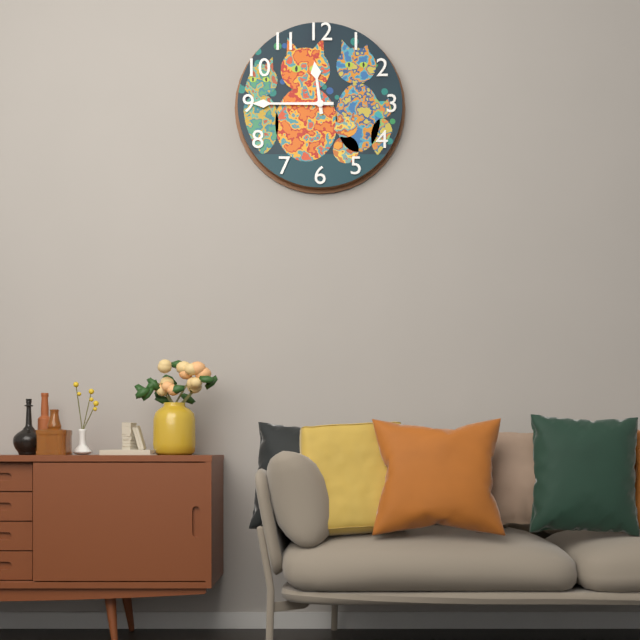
11h45
